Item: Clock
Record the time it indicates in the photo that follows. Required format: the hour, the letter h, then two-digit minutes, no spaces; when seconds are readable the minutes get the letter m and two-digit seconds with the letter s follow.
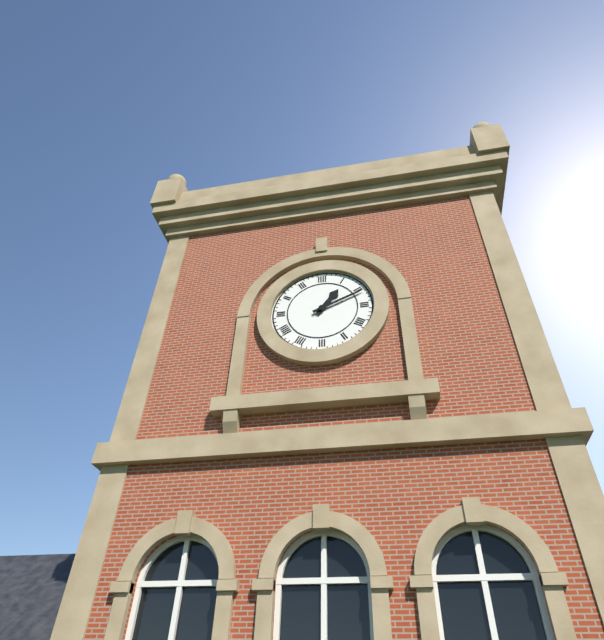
1h11
